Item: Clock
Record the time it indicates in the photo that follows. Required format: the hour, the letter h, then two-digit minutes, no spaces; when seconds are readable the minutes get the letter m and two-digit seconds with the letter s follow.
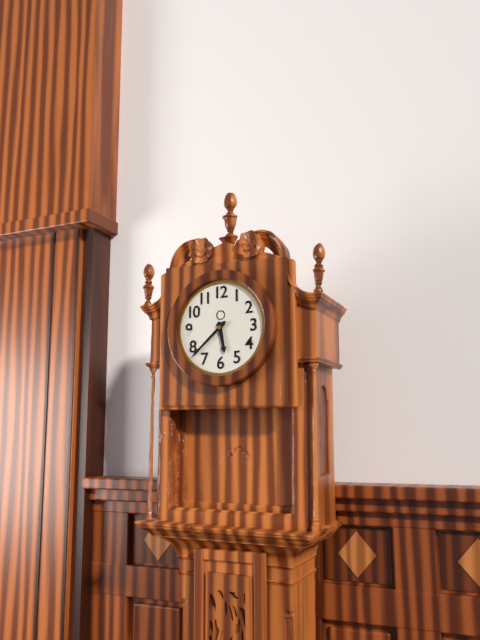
5h38
